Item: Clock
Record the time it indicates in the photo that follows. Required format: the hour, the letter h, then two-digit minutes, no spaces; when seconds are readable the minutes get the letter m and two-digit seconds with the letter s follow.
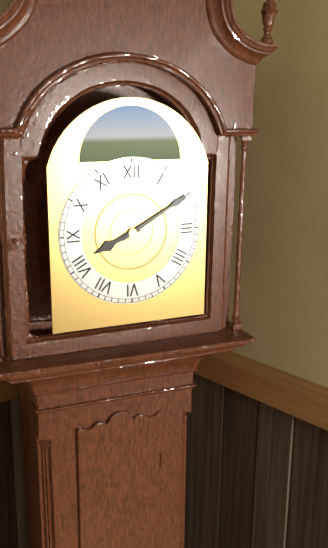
8h10
